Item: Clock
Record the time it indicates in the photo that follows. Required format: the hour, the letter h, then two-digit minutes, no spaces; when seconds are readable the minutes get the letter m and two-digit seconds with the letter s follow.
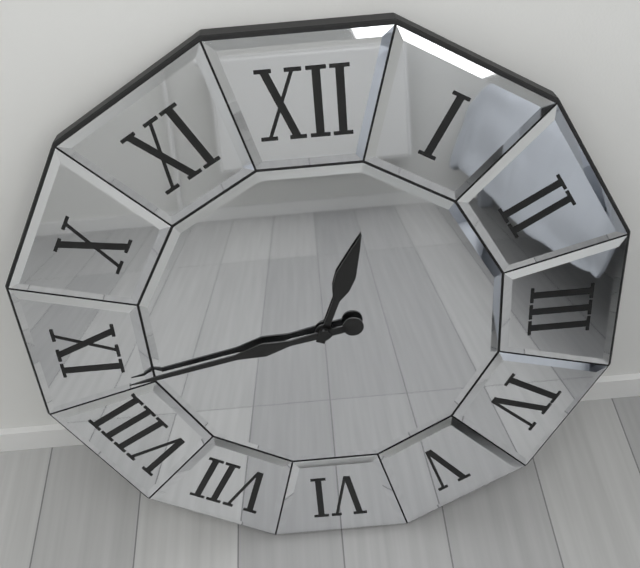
12h43
